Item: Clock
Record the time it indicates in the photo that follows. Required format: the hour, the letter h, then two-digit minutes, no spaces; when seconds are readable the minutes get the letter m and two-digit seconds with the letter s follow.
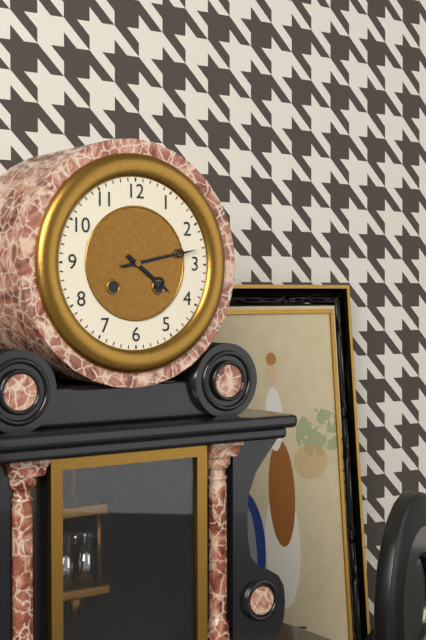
4h13
